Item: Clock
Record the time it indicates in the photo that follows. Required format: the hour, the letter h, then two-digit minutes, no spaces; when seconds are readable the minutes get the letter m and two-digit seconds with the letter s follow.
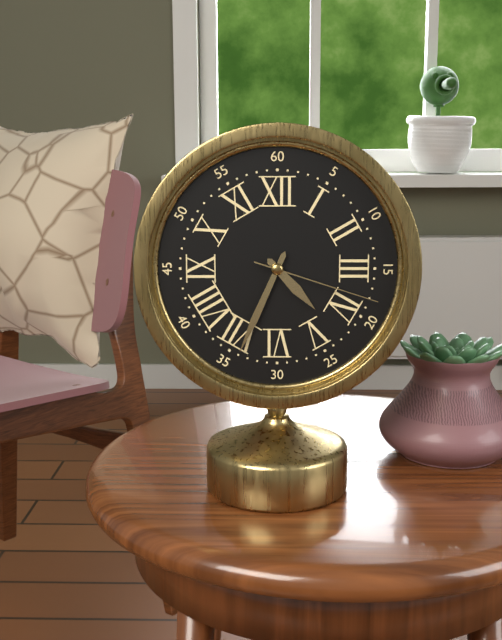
4h34m18s
